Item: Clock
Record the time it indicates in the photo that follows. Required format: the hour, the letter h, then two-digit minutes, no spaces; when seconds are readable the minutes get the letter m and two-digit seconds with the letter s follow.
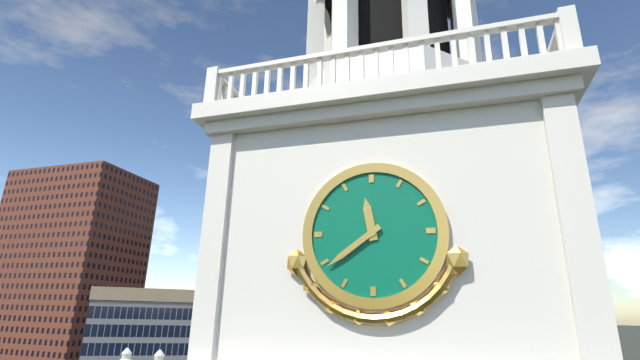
11h39
